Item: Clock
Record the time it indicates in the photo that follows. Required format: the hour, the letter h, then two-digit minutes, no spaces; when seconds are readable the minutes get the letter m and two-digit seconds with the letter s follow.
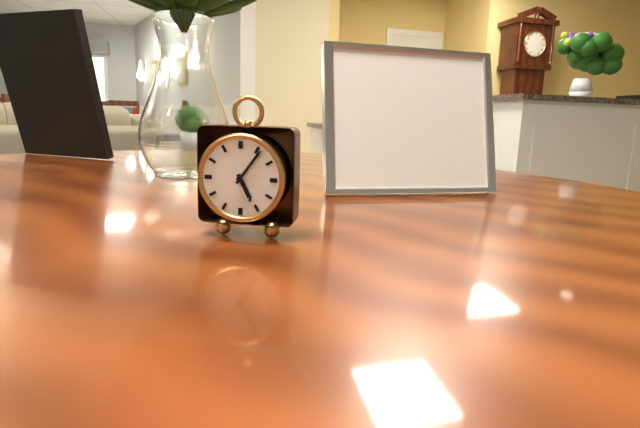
5h06
